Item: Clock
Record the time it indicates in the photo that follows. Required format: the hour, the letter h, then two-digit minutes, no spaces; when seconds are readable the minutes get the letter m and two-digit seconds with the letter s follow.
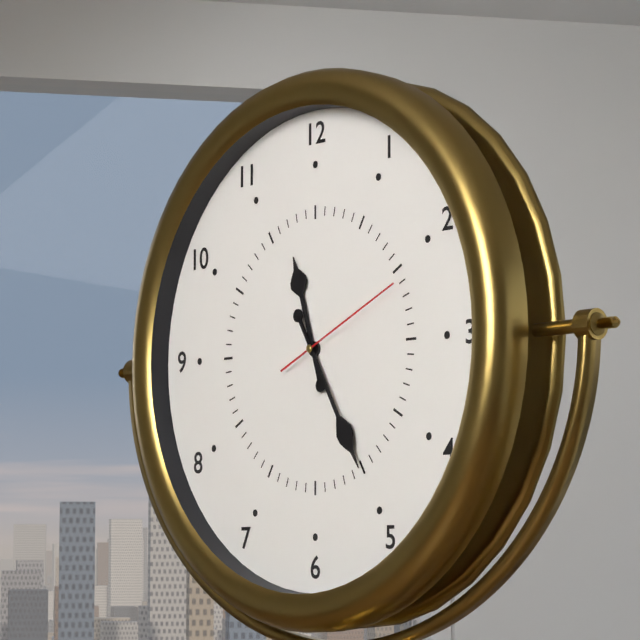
11h25m11s
